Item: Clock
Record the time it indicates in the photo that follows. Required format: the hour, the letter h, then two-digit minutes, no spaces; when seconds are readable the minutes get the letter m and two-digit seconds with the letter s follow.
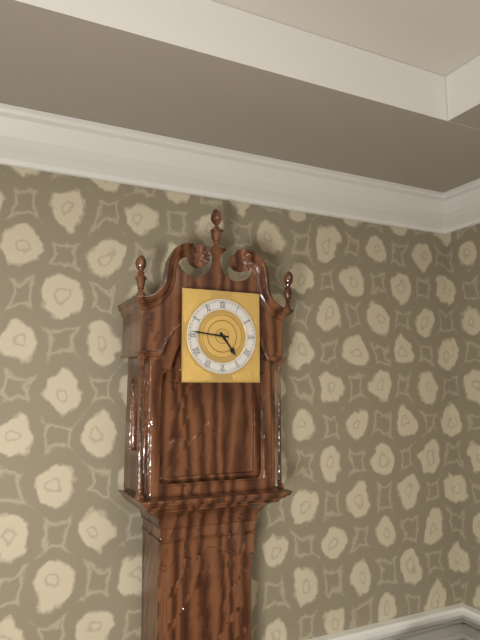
4h46
